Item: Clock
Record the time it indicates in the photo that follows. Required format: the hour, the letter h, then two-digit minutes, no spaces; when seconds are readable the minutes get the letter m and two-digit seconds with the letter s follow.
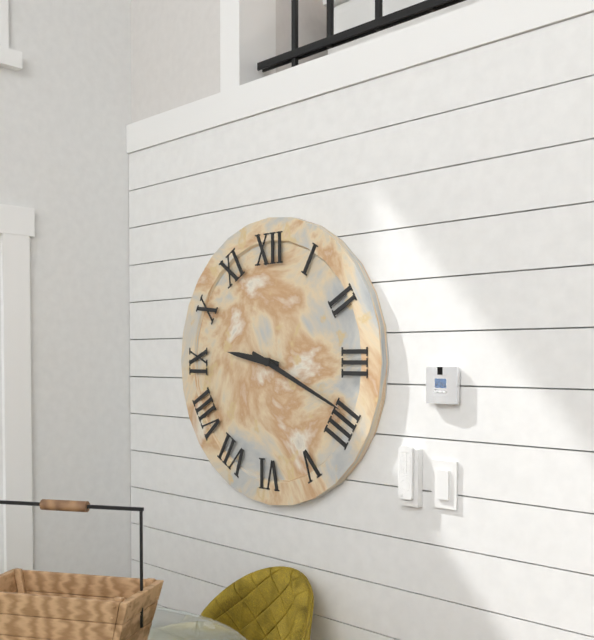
9h19
